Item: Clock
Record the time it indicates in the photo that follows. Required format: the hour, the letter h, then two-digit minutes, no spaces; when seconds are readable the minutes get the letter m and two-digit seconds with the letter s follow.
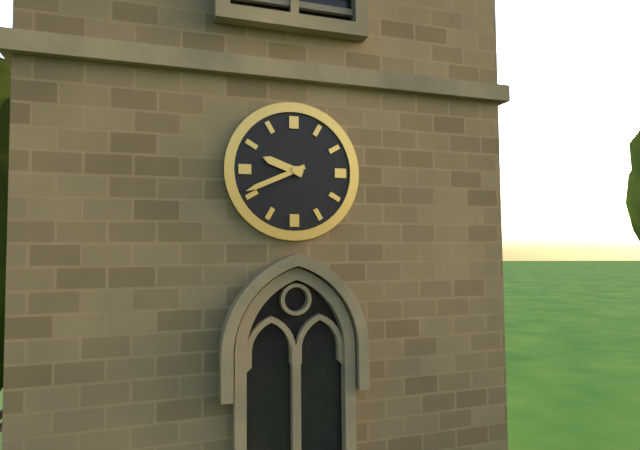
9h41
